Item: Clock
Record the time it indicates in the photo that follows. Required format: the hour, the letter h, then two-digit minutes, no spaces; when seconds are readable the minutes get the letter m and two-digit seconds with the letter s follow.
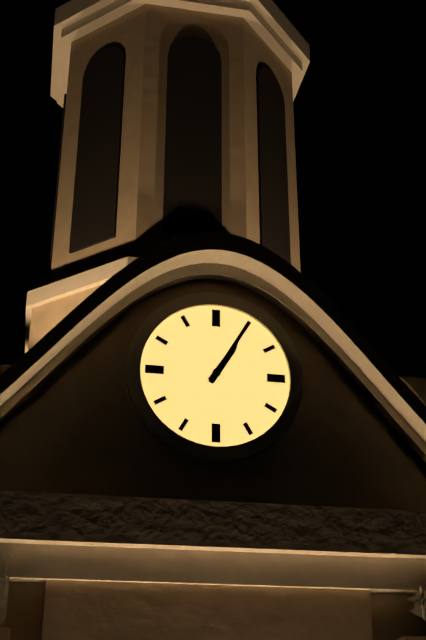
1h05
